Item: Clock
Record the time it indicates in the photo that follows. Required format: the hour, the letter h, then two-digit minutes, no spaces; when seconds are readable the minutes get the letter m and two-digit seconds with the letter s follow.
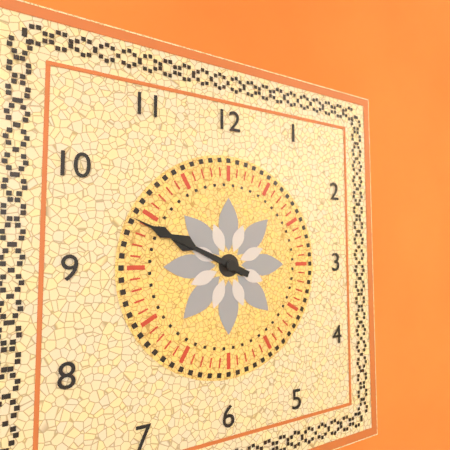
9h49
